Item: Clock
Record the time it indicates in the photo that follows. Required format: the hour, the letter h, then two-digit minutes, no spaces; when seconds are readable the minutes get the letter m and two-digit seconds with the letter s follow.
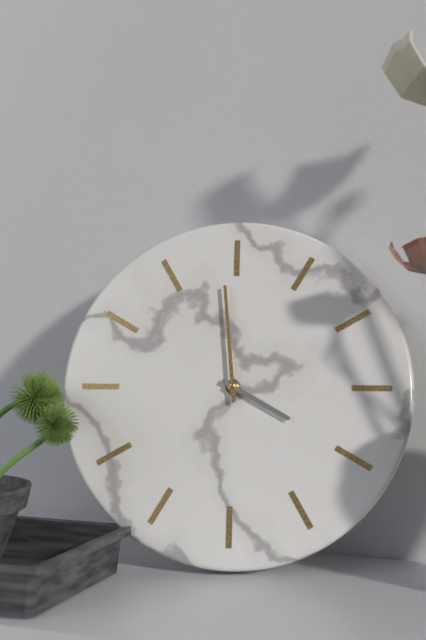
3h59
